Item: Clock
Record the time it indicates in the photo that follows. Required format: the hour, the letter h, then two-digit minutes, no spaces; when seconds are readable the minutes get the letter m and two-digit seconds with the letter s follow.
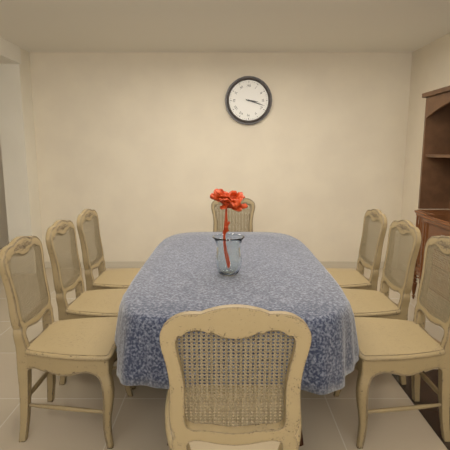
3h18
